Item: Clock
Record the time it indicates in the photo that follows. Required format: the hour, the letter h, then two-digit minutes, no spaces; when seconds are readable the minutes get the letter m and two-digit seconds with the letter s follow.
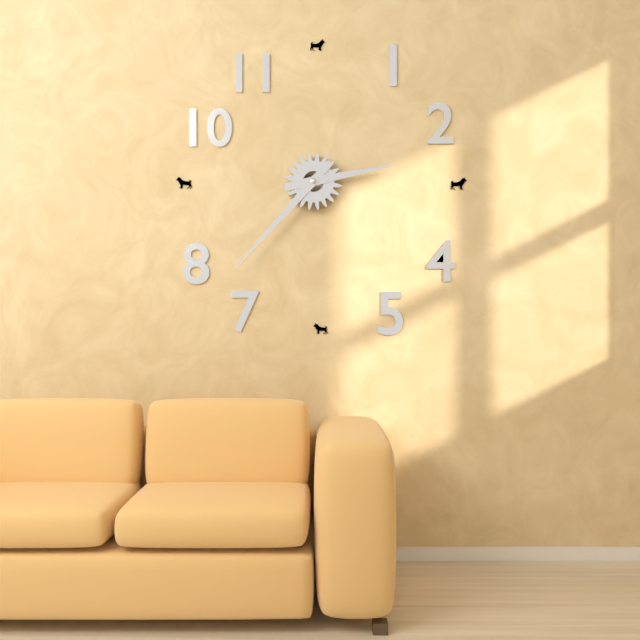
2h37
